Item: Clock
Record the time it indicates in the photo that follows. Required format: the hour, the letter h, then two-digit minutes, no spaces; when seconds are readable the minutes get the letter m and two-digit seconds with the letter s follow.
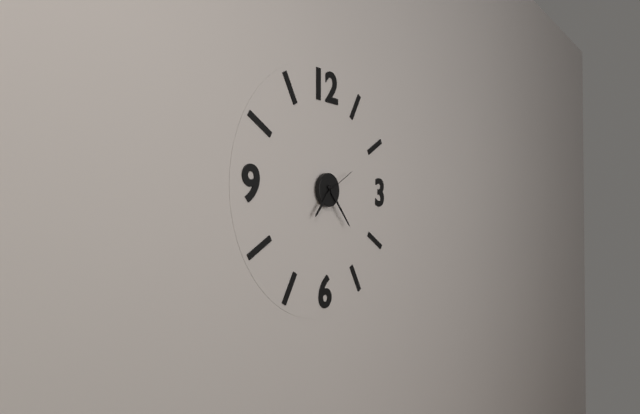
7h23
